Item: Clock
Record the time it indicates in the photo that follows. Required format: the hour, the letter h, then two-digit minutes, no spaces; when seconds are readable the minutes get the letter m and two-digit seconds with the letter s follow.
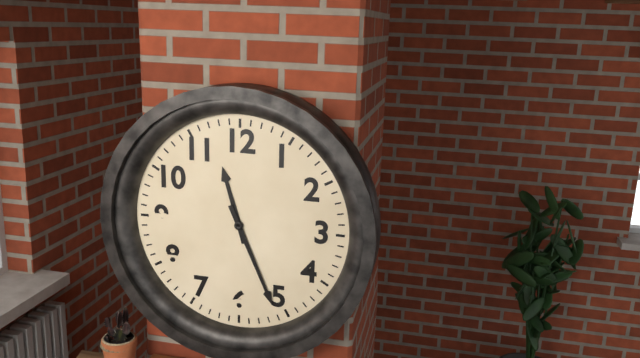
11h26
